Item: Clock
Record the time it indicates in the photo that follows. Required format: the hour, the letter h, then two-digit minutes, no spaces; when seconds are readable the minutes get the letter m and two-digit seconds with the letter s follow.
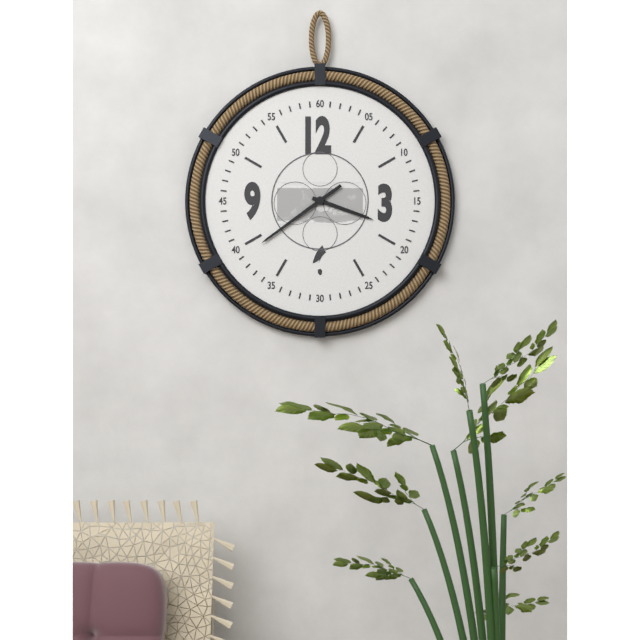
3h39
